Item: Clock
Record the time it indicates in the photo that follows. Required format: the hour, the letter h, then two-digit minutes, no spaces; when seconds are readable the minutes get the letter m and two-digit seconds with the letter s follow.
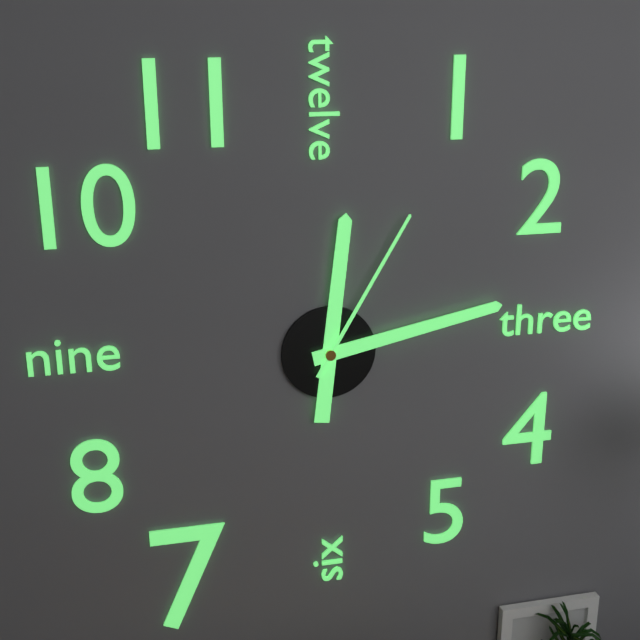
12h13m05s
